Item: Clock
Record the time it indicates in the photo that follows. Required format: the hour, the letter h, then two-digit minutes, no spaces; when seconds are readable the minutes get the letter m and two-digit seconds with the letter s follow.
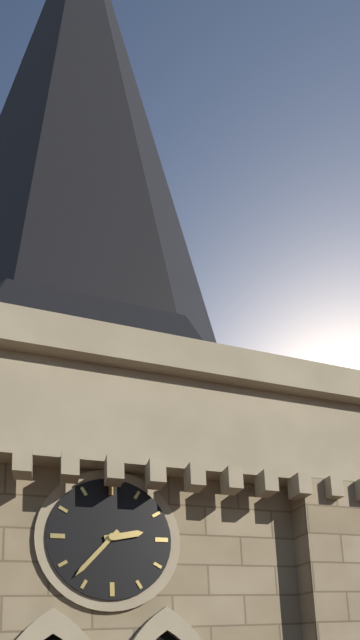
2h37
